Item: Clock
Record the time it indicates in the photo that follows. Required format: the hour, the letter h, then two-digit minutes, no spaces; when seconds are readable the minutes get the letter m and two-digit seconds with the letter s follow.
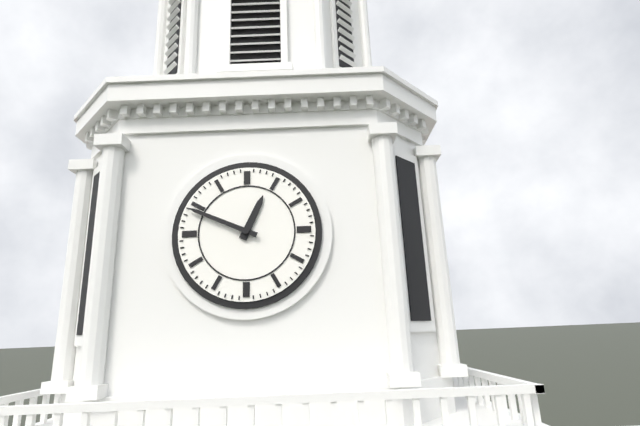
12h49
